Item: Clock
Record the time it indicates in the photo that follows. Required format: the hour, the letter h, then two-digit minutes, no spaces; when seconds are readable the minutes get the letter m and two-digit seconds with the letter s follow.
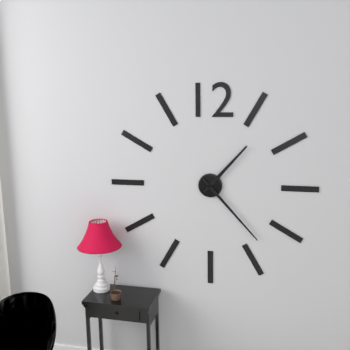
1h23
